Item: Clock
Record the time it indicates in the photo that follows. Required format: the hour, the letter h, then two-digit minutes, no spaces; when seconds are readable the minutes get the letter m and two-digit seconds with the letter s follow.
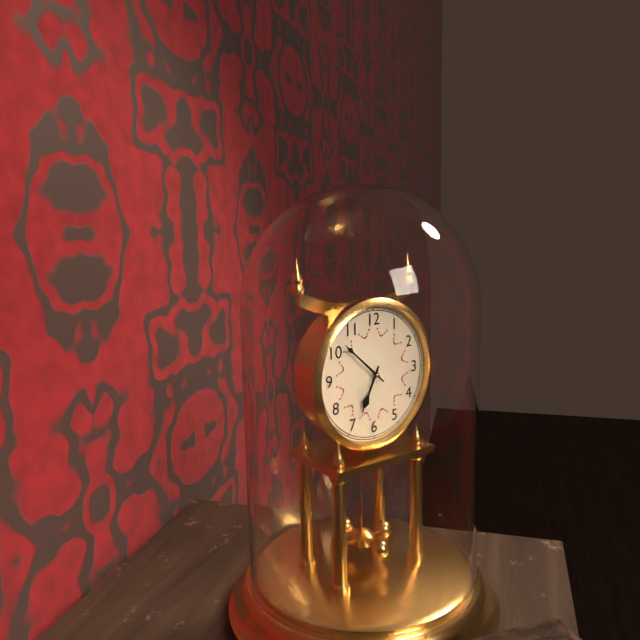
6h52
